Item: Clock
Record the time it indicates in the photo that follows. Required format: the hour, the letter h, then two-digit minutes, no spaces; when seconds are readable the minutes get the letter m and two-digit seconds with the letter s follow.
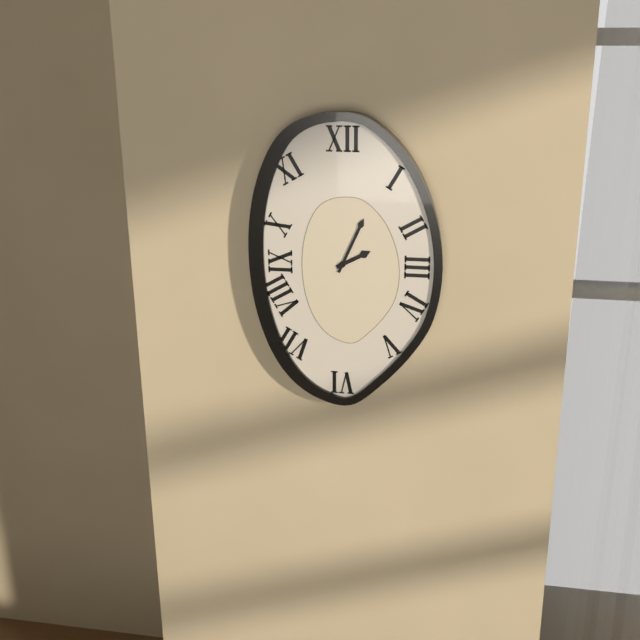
2h04
